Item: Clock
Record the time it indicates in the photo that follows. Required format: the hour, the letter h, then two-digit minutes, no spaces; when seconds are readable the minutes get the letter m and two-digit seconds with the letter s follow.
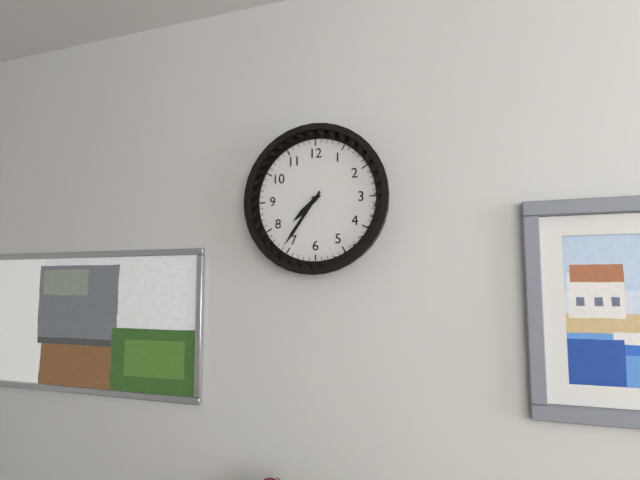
7h36
